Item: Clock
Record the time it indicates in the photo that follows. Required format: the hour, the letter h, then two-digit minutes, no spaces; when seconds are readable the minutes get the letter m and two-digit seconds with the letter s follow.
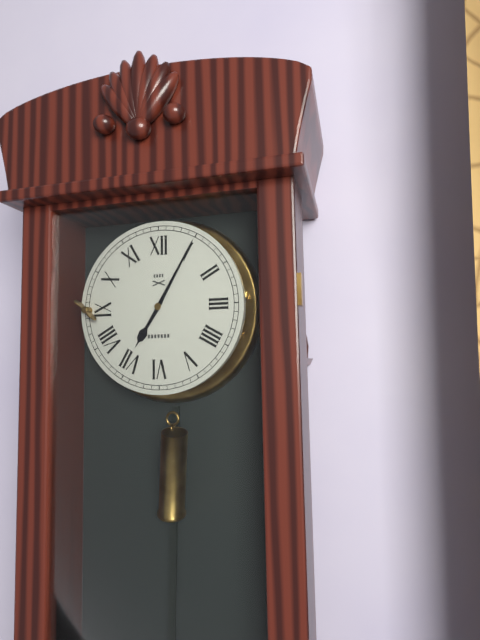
7h05
